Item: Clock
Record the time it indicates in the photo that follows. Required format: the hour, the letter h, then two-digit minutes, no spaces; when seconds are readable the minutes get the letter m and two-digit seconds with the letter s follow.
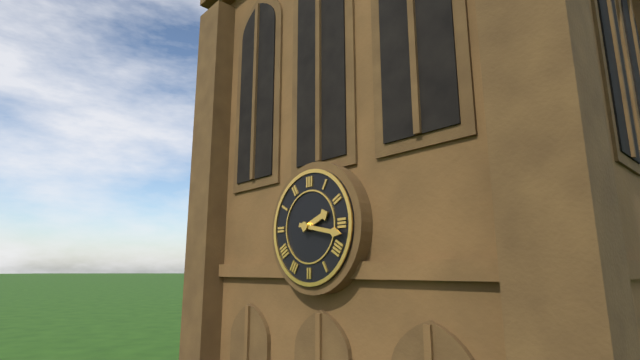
2h17
